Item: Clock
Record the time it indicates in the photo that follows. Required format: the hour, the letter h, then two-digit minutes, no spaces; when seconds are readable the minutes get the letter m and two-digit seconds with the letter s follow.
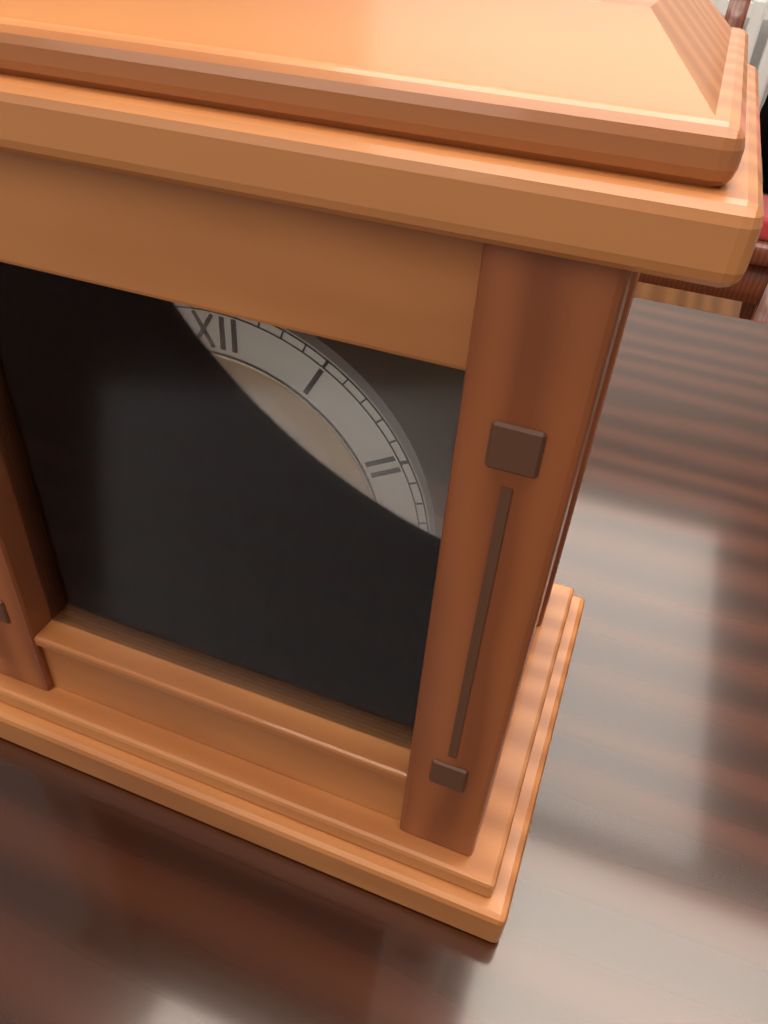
9h34
